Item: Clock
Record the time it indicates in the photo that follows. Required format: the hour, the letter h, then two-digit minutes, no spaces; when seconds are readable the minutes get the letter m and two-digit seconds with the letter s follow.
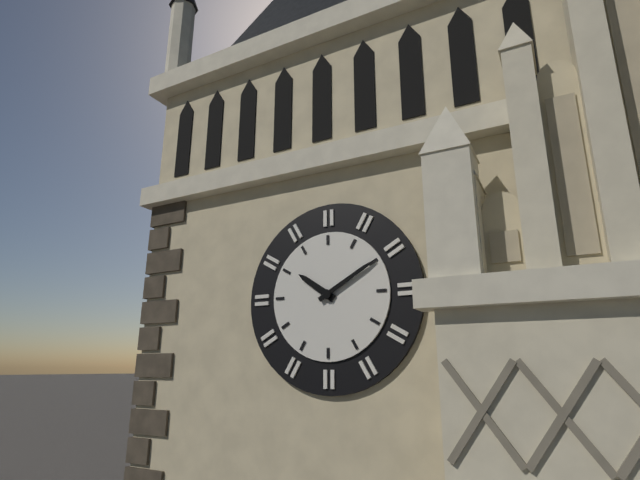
10h10
